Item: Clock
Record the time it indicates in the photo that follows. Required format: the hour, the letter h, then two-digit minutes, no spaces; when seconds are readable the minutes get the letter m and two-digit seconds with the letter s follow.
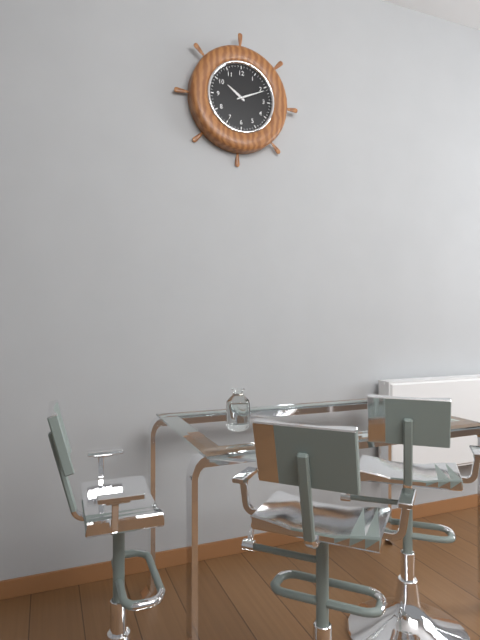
10h11
